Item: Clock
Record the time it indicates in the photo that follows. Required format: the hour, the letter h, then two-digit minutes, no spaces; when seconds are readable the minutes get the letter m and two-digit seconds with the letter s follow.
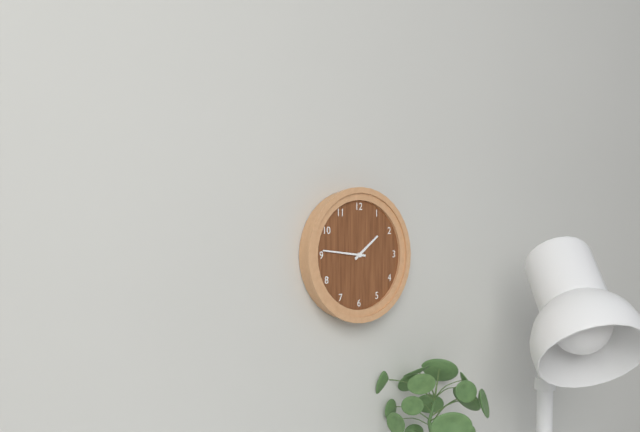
1h46
